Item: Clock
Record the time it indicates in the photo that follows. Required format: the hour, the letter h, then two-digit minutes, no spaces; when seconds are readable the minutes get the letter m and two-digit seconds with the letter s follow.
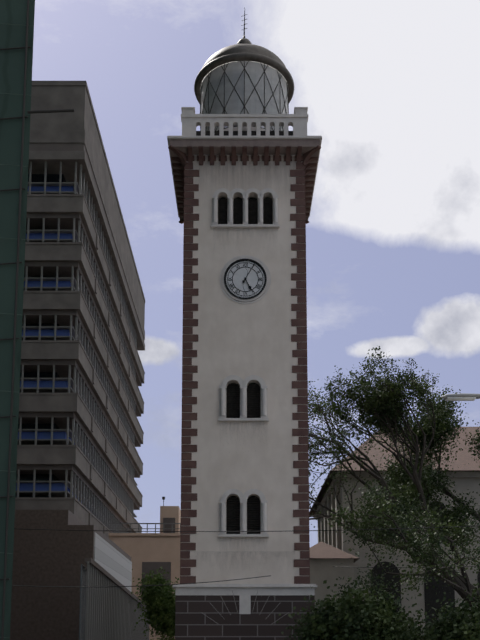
5h05
